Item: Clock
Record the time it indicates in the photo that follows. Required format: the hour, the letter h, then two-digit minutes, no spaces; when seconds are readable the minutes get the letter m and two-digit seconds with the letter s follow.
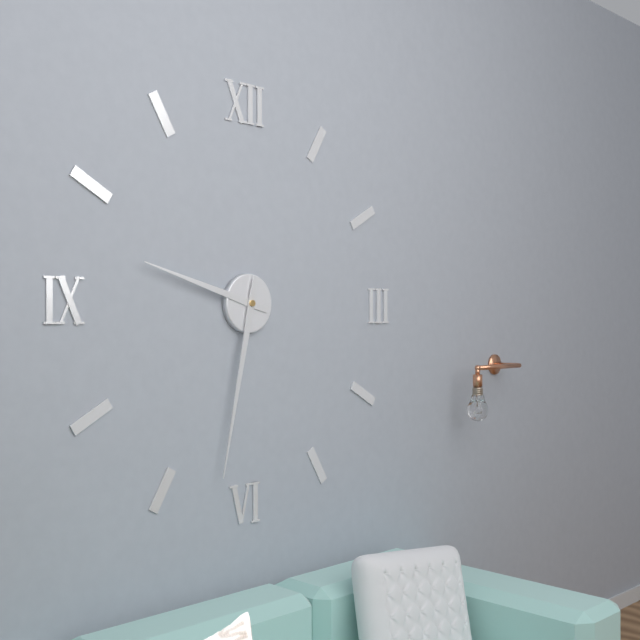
9h32
